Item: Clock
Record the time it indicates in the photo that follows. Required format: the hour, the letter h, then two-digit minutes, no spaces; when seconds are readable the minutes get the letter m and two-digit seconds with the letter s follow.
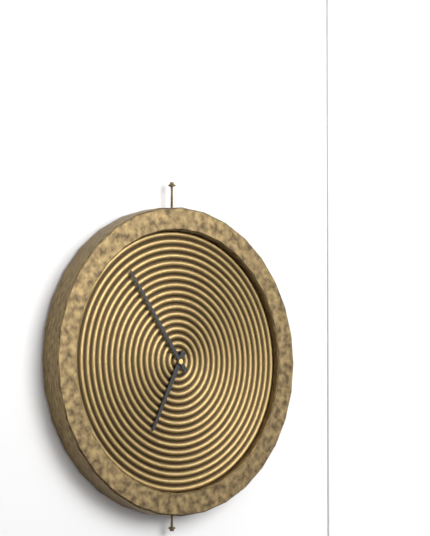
6h54
